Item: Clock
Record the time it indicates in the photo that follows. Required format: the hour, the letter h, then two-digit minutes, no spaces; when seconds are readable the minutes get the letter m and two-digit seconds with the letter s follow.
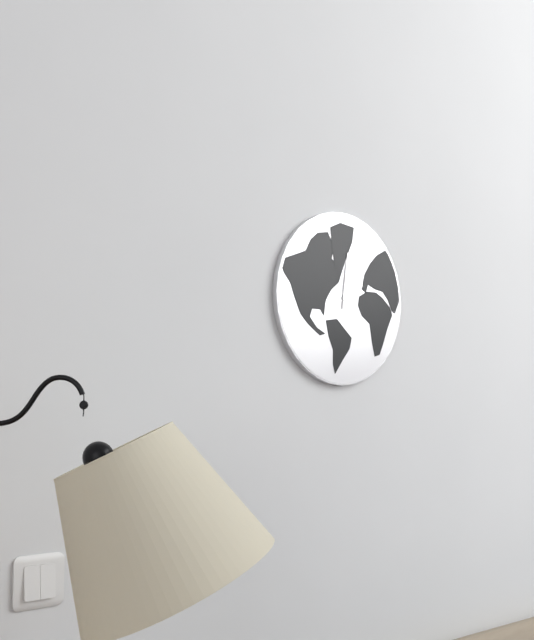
2h01
